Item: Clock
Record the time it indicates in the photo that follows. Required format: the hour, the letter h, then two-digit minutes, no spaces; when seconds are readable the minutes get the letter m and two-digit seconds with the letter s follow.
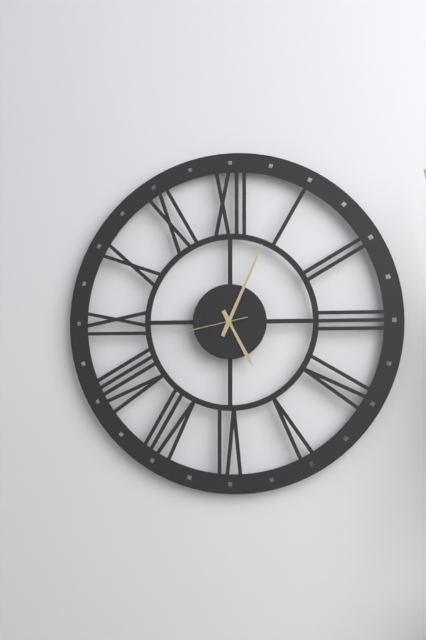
5h04m43s
